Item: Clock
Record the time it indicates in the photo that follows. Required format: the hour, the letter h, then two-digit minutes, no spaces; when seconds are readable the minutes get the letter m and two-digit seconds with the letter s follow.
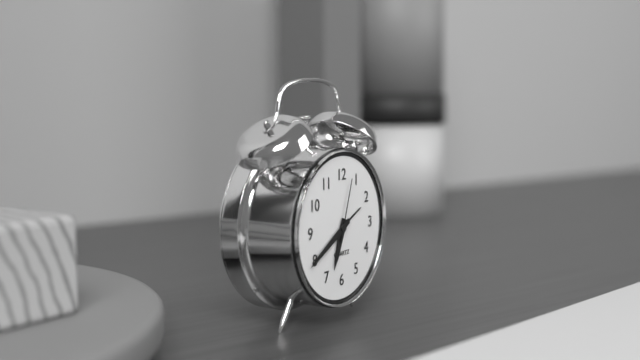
6h40m03s
